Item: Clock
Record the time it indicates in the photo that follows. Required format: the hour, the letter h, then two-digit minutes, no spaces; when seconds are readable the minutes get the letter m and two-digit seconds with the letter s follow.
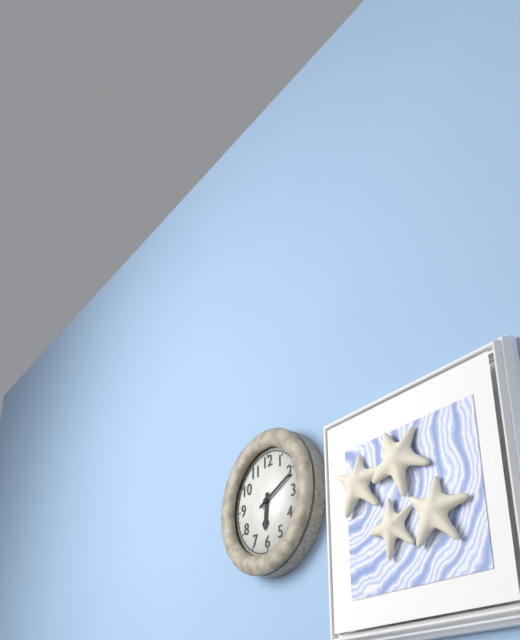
6h11
